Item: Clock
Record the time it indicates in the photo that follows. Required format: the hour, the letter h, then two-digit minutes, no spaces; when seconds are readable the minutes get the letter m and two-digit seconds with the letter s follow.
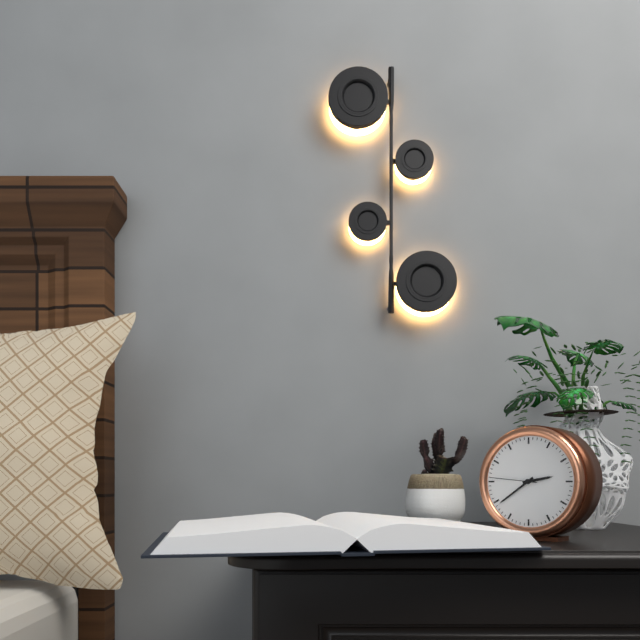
2h39m46s
